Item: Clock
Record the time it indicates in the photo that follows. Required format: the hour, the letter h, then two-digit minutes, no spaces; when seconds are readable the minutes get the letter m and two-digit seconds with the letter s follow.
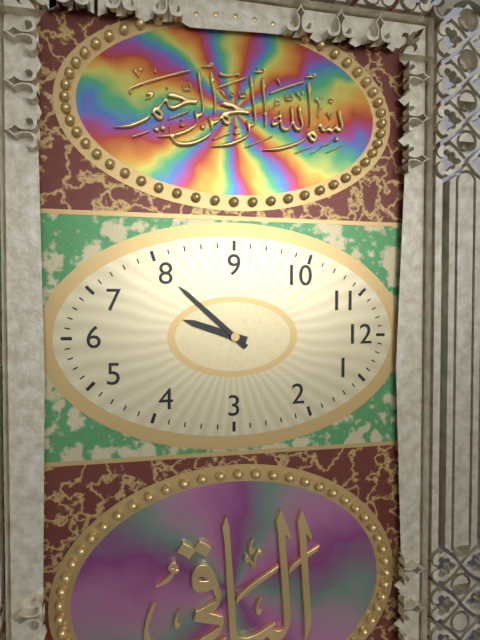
6h37
